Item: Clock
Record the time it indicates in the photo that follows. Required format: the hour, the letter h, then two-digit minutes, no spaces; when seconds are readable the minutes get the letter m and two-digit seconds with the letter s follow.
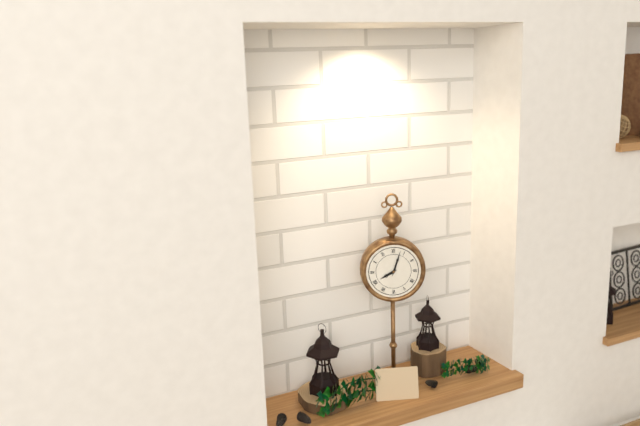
8h03
